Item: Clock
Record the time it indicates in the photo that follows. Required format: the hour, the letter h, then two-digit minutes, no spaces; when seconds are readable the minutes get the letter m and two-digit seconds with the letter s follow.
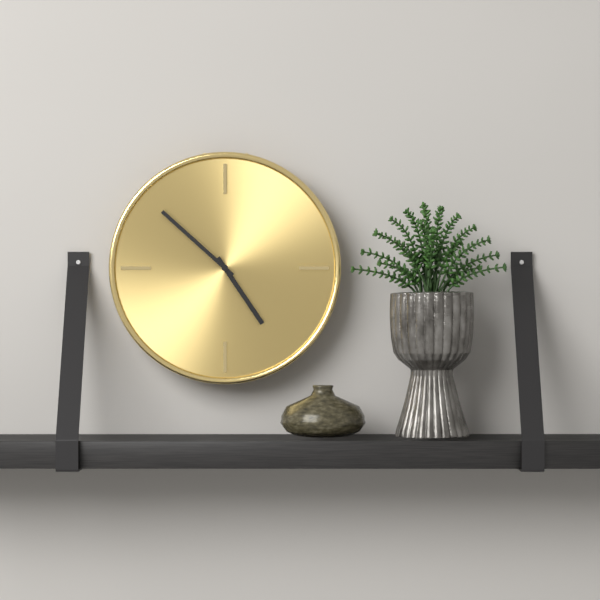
4h52
